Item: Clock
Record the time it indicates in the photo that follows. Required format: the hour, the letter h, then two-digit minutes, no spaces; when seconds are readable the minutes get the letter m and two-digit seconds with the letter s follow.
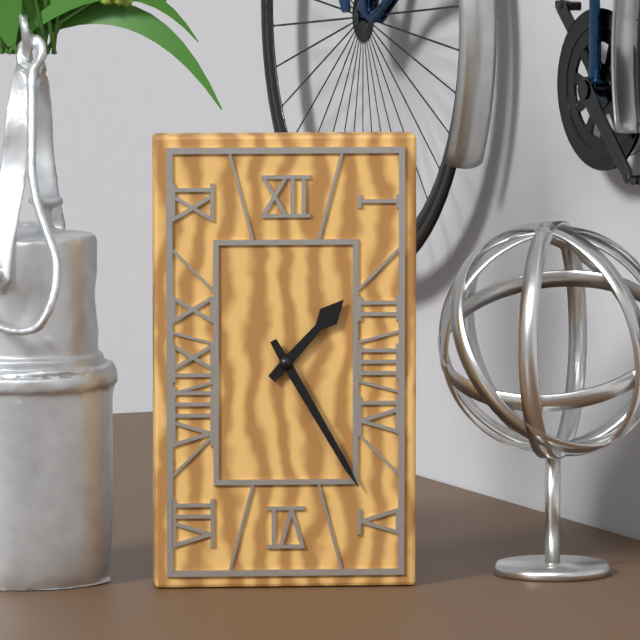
1h25
